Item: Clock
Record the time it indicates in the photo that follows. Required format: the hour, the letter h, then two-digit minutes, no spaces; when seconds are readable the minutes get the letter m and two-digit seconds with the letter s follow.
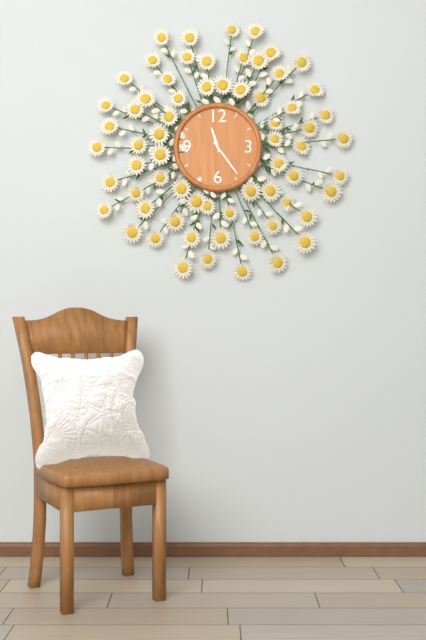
11h24
